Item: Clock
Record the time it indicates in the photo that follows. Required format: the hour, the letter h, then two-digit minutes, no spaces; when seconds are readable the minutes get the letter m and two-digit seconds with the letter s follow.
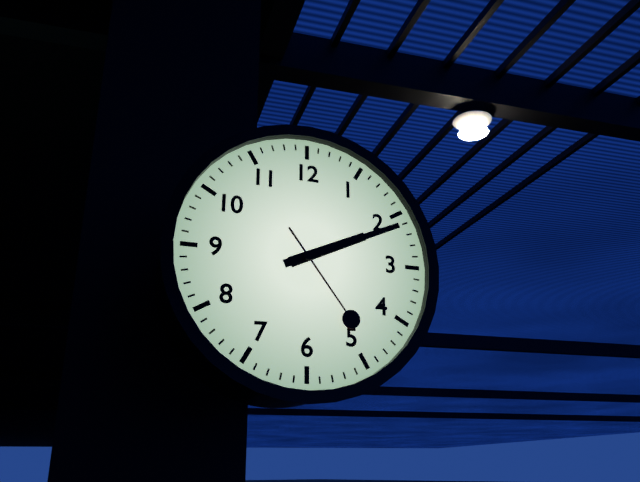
2h11m24s
